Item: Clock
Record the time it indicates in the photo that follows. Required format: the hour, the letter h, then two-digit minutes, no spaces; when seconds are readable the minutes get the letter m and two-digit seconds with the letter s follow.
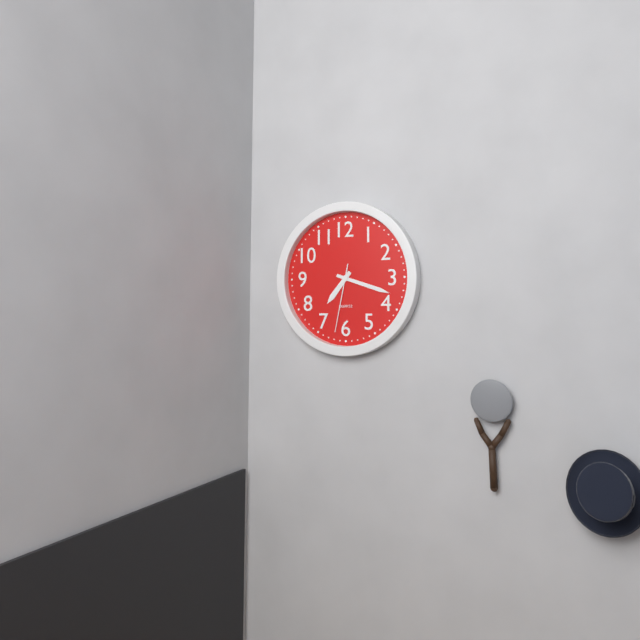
7h18m32s
